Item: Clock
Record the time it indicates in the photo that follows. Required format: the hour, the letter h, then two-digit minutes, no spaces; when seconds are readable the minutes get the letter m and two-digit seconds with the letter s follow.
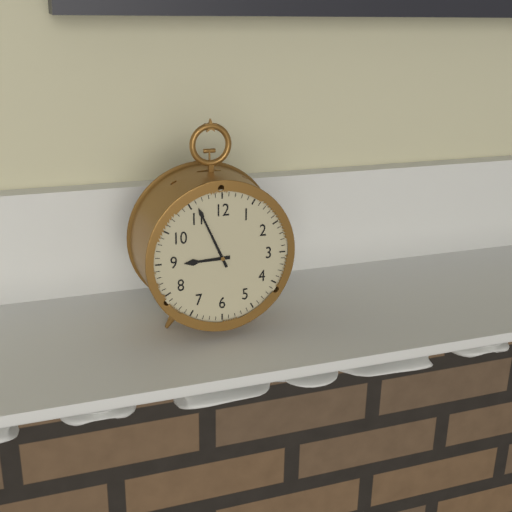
8h56
